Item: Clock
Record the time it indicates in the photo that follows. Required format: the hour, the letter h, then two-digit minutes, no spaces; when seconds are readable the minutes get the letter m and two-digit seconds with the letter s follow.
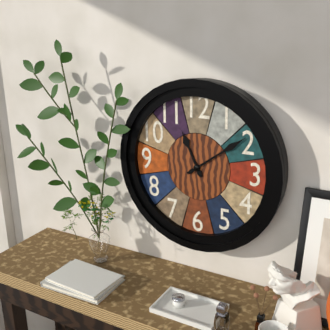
11h09
